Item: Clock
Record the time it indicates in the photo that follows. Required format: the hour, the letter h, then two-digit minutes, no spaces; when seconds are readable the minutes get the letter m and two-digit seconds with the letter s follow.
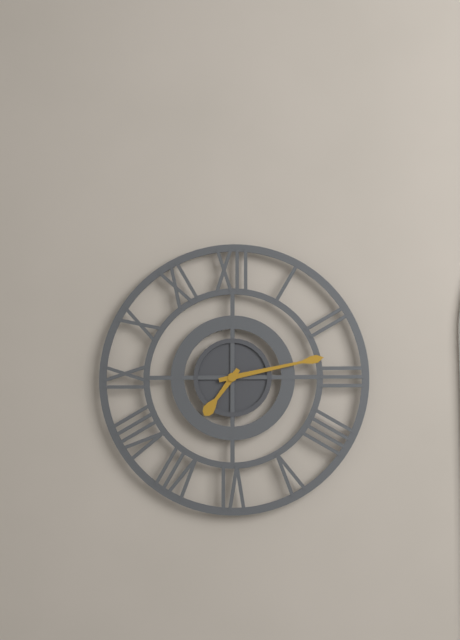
7h13
